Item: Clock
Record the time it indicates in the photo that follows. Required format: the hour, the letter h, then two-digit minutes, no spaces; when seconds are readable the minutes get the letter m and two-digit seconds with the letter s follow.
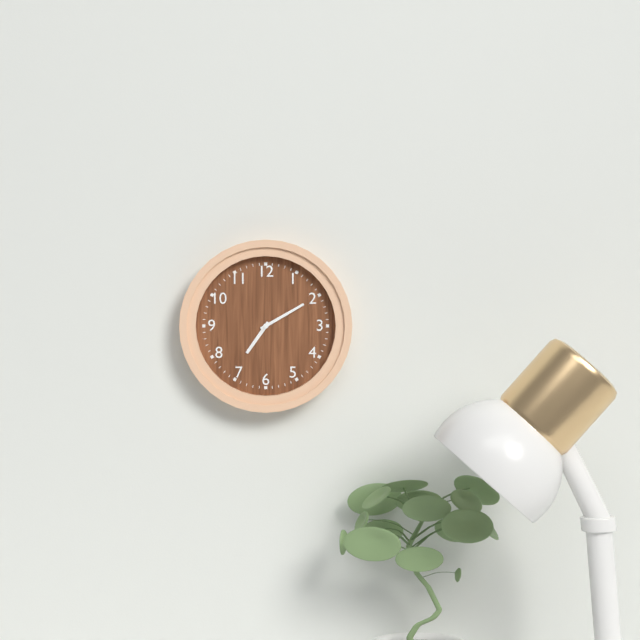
7h10
